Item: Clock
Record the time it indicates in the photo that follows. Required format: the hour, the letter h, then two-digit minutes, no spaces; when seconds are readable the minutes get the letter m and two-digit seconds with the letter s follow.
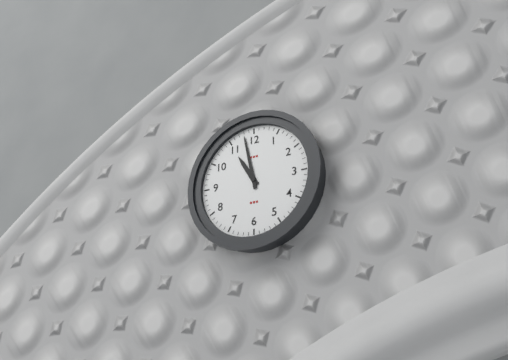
10h58
